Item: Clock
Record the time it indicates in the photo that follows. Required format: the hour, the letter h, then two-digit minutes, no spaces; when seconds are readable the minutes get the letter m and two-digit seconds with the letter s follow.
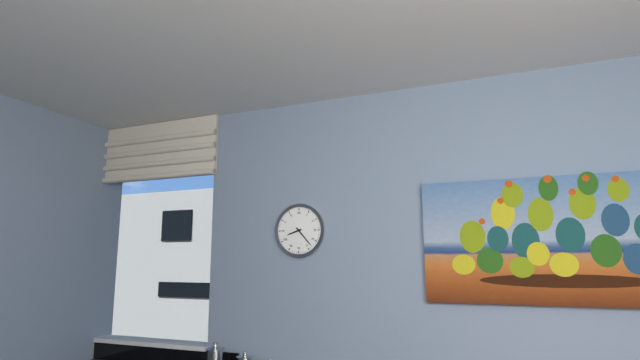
8h23
